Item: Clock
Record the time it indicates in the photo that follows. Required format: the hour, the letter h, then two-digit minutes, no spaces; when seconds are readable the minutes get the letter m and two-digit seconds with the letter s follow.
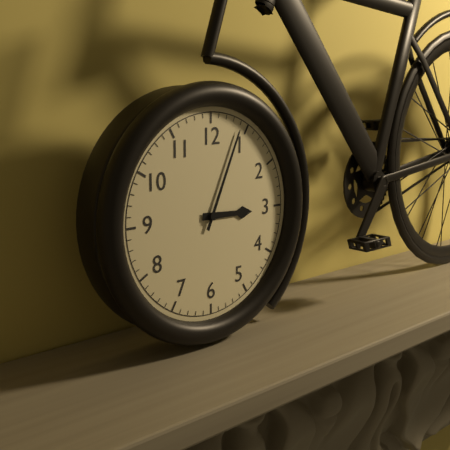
3h04
